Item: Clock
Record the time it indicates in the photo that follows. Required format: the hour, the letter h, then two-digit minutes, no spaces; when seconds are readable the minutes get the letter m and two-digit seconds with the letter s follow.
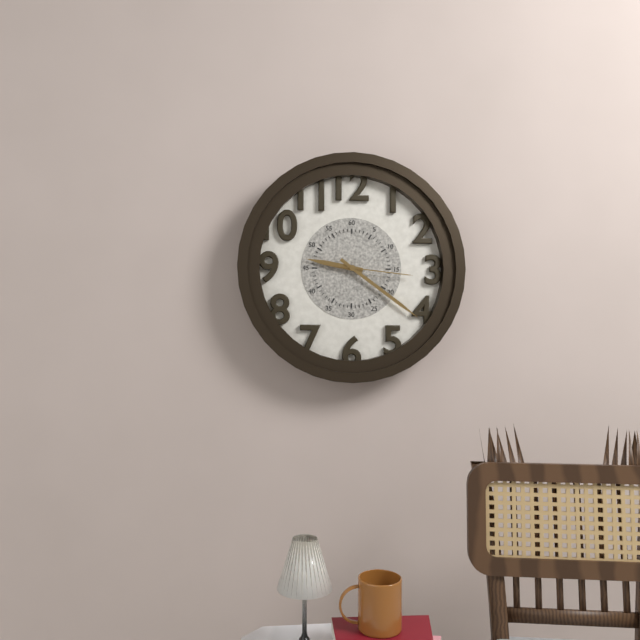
9h21m16s
